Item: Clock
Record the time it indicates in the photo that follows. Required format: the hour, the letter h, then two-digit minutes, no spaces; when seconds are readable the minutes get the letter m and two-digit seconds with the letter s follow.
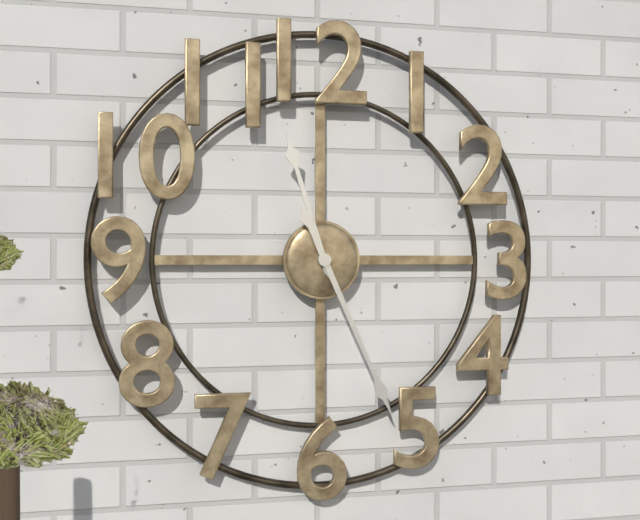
11h26
